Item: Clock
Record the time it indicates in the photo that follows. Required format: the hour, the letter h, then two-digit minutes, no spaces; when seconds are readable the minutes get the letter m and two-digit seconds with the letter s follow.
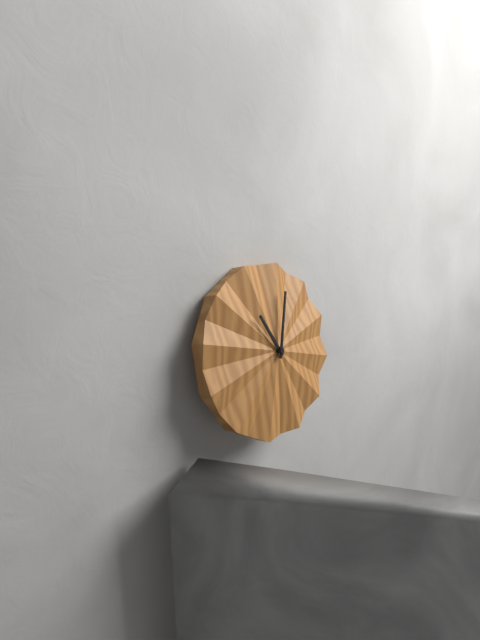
11h03
